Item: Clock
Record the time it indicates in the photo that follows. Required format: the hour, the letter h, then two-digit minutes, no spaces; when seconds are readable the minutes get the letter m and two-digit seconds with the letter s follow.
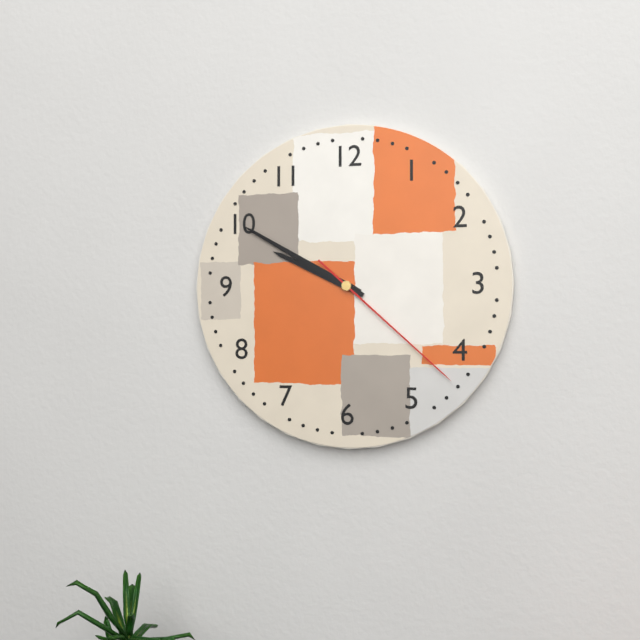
9h50m22s
